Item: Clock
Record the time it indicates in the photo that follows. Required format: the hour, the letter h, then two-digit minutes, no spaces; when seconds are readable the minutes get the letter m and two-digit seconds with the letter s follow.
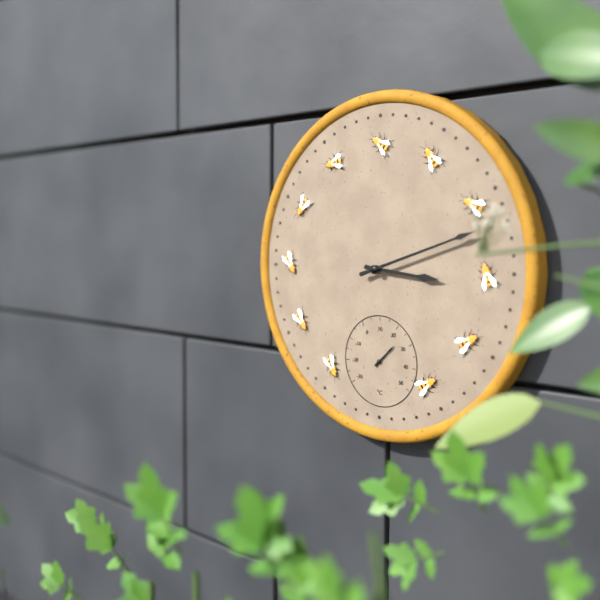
3h12
